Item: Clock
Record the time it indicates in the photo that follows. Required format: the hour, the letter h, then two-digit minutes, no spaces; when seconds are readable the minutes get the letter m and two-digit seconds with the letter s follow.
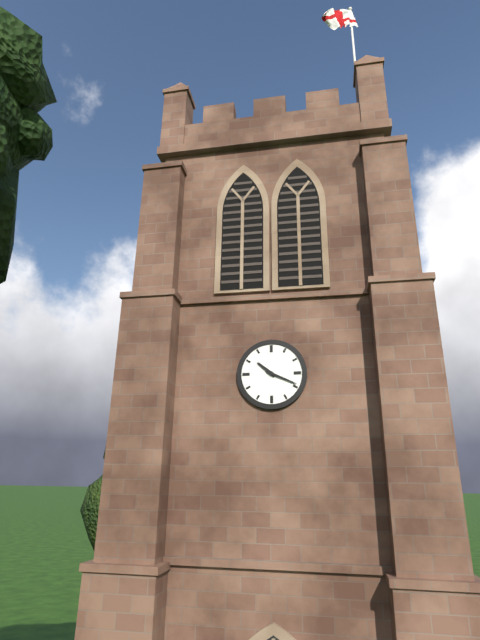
10h19
